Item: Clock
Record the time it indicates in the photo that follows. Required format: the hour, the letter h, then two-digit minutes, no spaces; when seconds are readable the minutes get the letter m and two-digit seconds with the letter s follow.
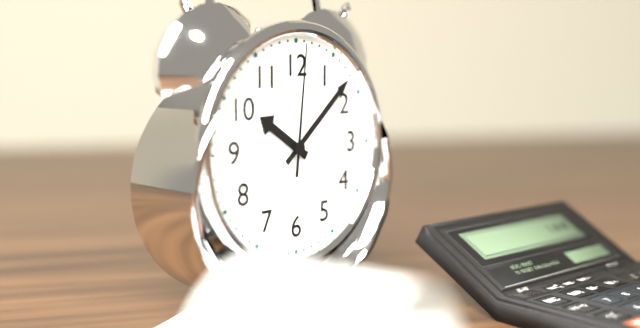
10h08m01s
